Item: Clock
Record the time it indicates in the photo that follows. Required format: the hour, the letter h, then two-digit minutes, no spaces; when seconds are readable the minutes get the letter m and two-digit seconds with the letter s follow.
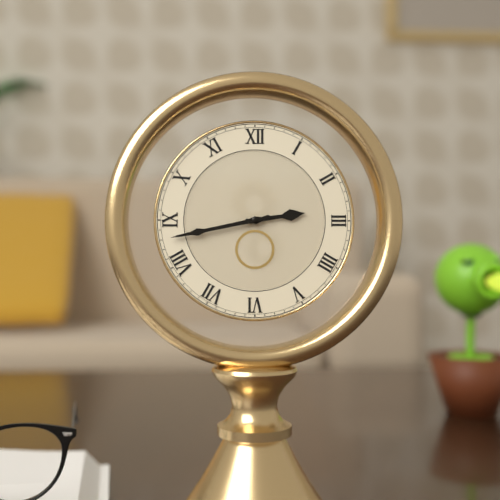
2h43
